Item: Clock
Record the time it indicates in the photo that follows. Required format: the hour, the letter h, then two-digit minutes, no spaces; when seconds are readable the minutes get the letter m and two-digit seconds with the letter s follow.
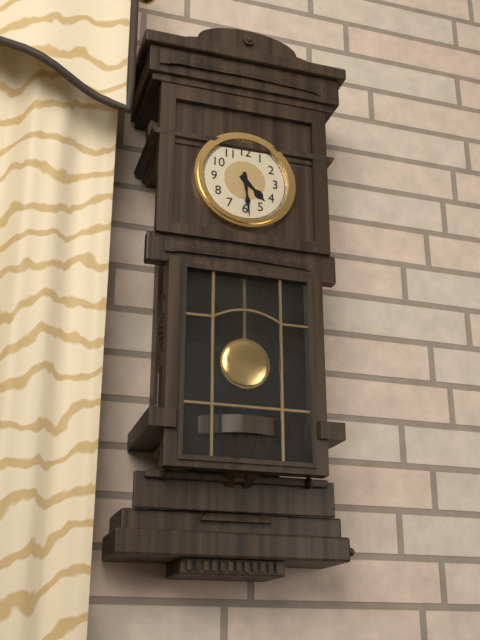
4h29
